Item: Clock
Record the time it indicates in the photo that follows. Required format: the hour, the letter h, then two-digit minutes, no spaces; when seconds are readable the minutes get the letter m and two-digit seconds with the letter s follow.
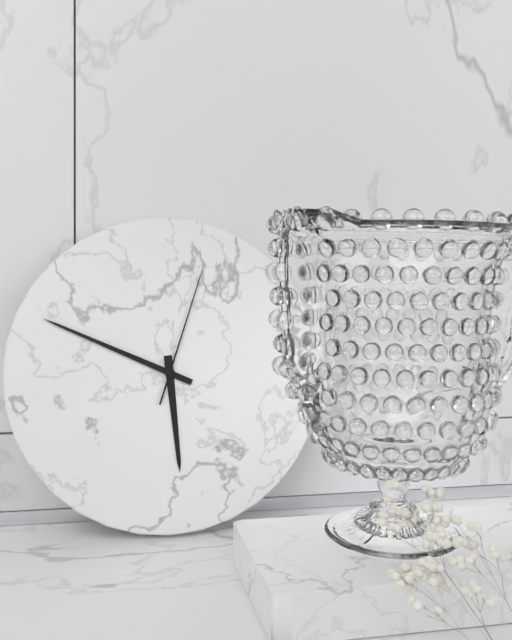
5h49m03s
